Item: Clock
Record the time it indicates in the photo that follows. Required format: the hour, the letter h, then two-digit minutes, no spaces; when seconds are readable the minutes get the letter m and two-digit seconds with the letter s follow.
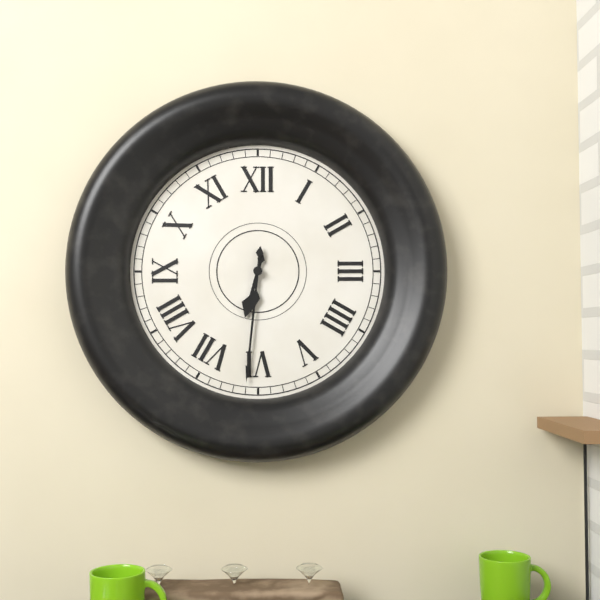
6h31
